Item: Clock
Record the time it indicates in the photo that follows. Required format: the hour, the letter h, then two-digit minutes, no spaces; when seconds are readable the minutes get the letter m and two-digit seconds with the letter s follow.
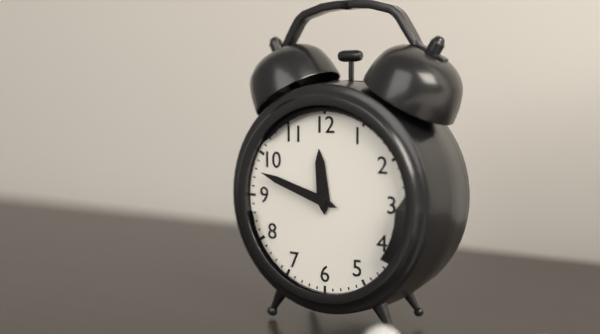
11h48
